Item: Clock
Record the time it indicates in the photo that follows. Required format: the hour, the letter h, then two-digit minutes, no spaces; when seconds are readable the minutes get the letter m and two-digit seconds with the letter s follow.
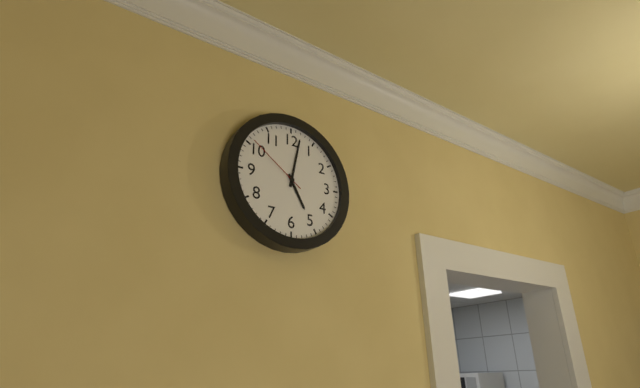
5h02m51s
